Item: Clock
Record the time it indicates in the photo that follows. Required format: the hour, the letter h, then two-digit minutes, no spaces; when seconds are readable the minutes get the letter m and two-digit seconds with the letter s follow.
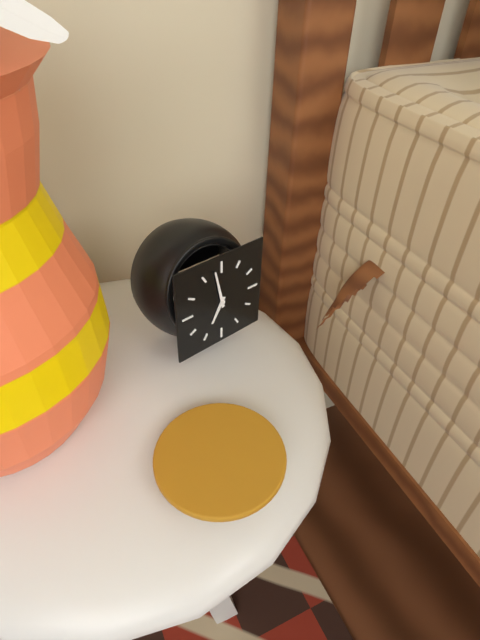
6h58
